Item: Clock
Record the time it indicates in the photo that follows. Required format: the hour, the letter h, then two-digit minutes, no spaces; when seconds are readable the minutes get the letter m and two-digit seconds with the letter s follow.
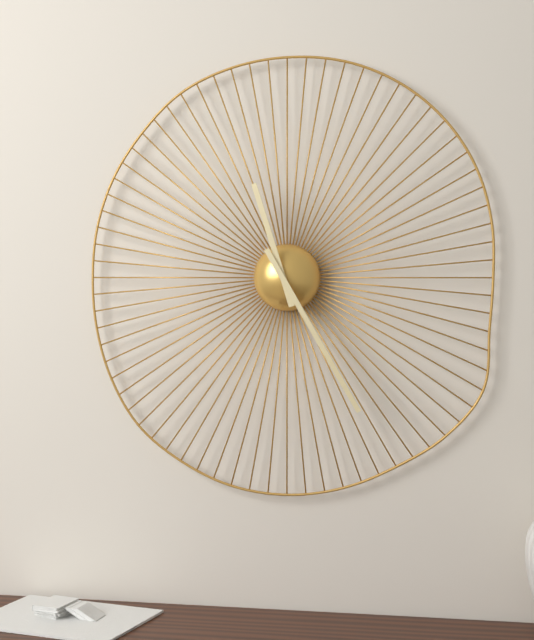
11h25
